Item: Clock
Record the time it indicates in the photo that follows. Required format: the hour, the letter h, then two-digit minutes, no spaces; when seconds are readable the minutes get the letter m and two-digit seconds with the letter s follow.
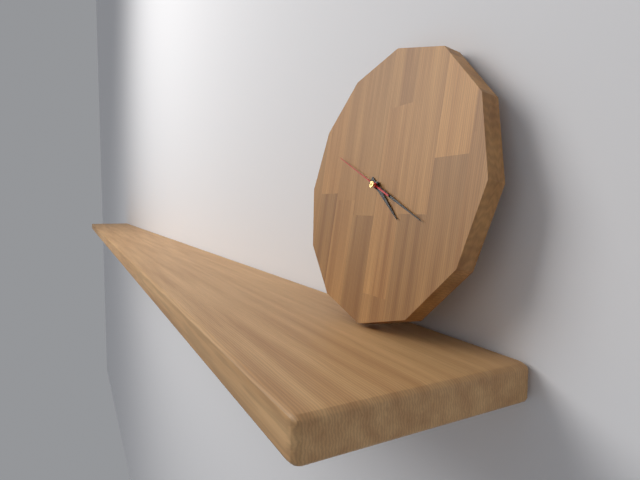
4h19m49s
